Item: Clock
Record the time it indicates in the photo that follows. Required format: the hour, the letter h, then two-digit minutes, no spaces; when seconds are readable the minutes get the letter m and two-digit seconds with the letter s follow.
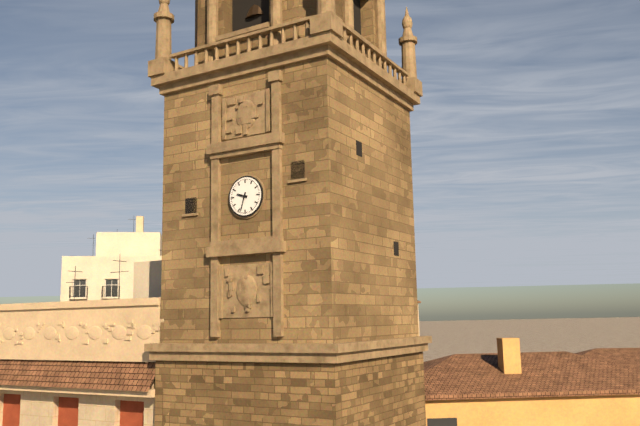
9h33
